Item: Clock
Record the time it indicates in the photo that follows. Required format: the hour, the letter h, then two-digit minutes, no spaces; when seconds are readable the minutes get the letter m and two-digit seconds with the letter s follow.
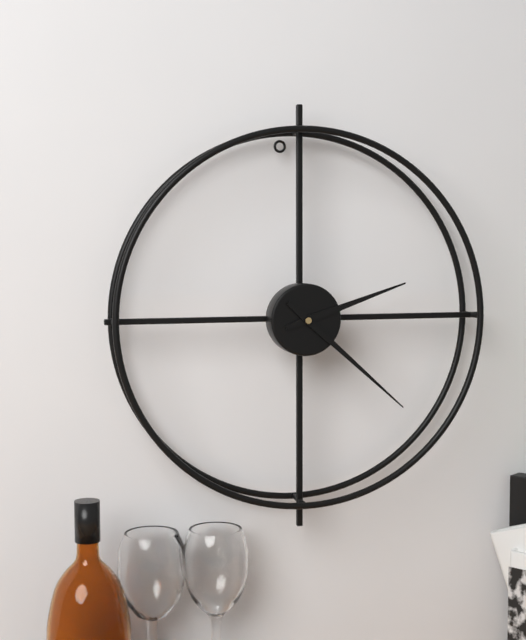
2h22
